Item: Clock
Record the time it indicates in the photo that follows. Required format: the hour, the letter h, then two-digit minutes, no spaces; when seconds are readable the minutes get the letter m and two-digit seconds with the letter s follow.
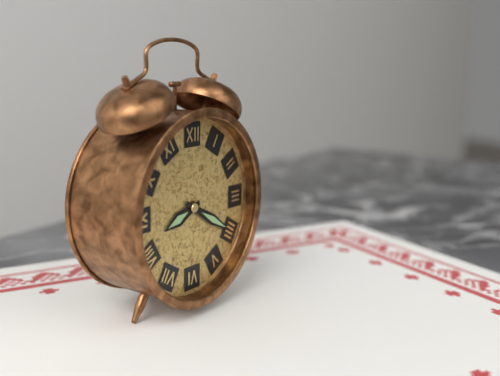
8h20
